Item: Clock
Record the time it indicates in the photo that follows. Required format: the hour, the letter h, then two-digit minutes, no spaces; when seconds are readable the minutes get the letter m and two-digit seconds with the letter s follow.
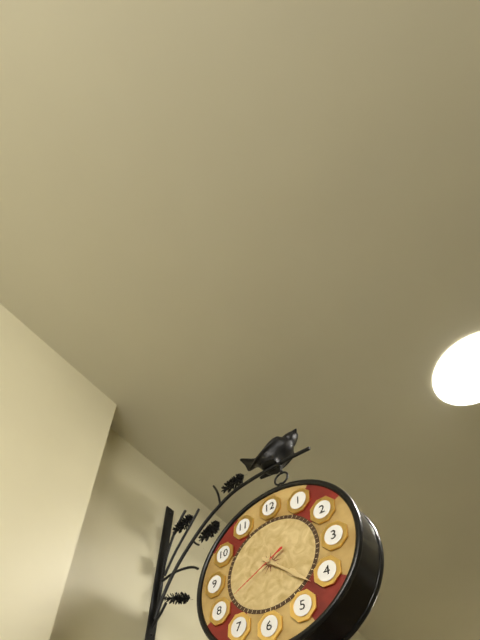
4h22m40s
